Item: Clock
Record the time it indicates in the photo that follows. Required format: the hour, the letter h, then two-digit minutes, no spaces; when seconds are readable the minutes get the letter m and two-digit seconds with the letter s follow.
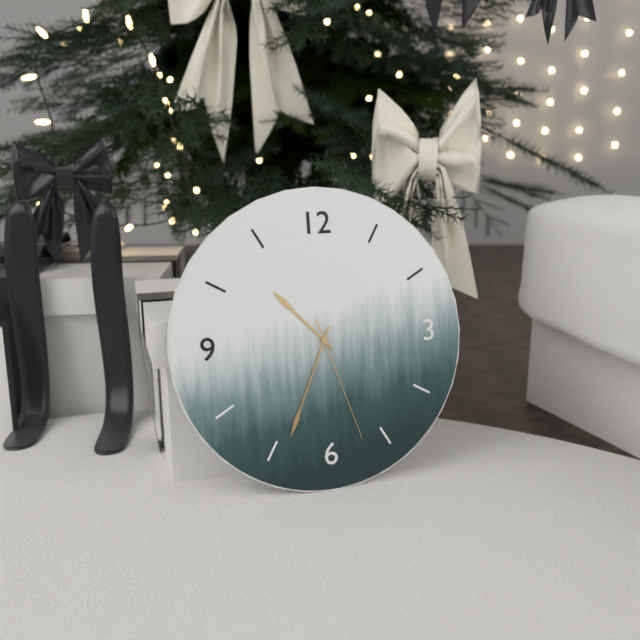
10h34m27s
